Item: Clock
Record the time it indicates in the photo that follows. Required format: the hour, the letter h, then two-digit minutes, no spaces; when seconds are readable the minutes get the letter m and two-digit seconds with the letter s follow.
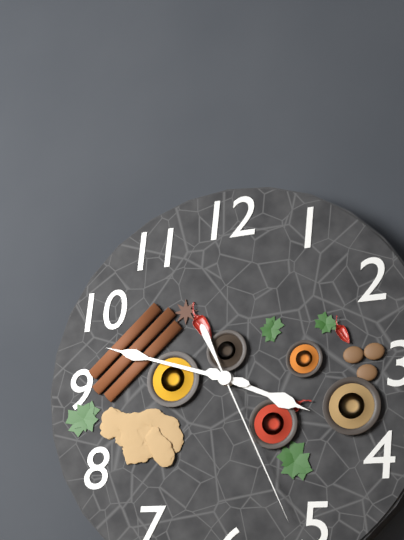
3h48m26s
